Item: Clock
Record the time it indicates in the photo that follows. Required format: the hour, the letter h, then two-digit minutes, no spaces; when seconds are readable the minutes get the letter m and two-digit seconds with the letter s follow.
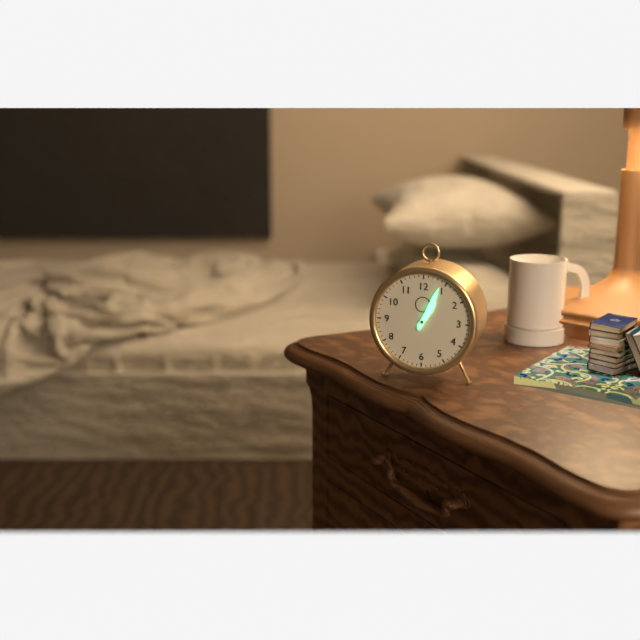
1h04
